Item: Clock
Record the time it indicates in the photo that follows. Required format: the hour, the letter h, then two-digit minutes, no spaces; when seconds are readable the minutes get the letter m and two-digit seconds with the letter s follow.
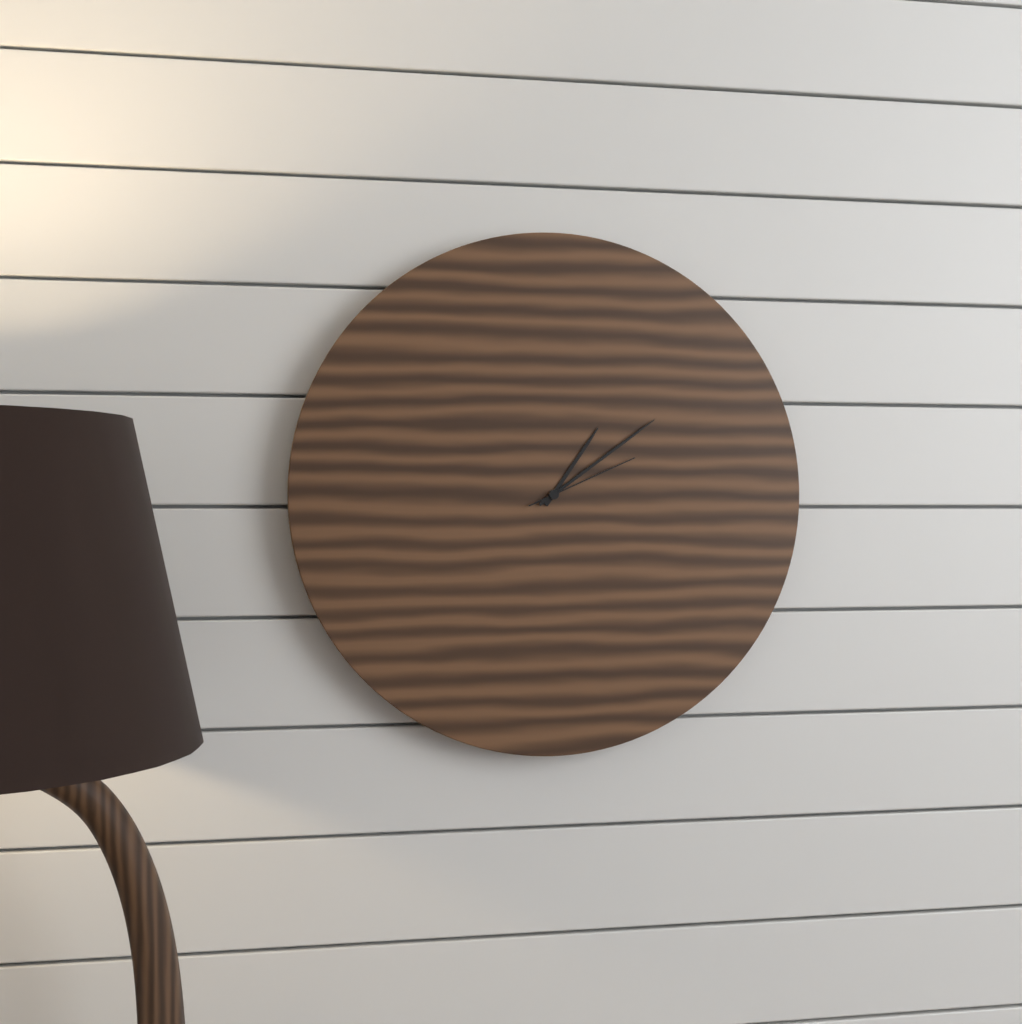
1h09m11s
